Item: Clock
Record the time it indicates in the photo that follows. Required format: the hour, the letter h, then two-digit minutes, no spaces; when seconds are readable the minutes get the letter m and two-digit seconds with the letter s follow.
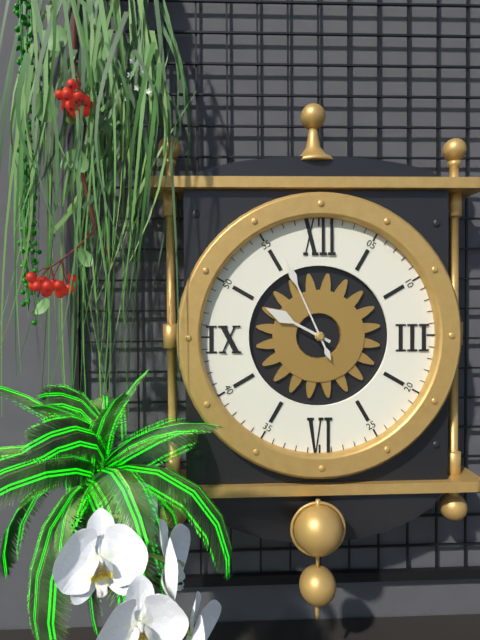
9h56
